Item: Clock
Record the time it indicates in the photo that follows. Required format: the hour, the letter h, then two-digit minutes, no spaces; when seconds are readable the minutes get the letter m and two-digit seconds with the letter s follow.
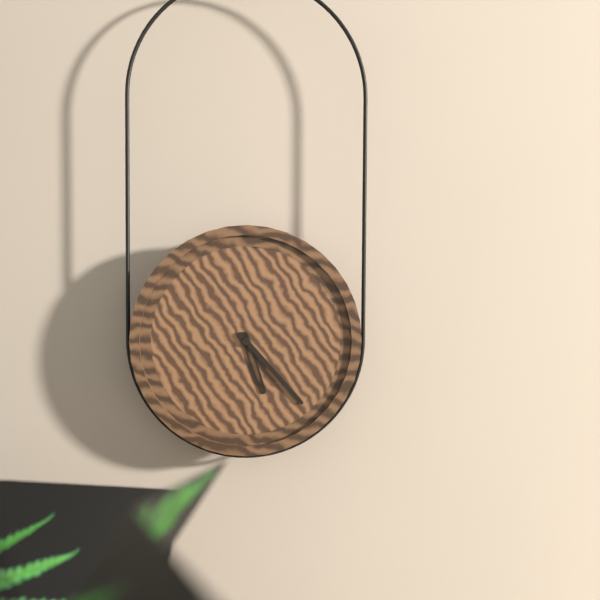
5h23
